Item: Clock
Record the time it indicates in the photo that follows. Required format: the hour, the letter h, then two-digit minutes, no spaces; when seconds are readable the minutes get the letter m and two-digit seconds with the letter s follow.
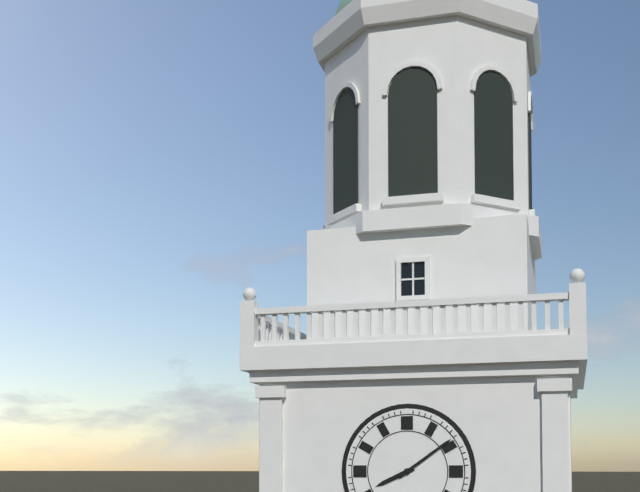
8h09
